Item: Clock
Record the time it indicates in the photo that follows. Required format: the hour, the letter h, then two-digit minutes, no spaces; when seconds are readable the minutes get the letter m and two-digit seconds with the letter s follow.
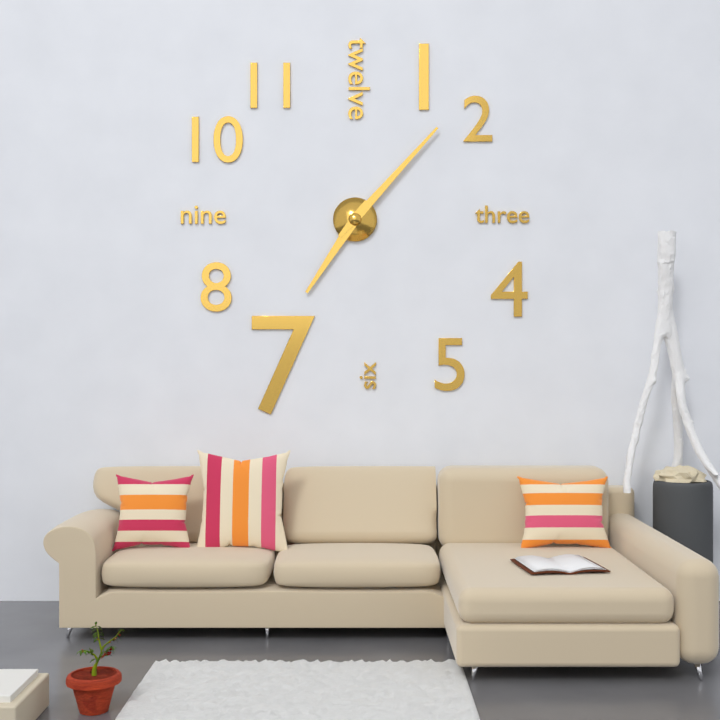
7h07
